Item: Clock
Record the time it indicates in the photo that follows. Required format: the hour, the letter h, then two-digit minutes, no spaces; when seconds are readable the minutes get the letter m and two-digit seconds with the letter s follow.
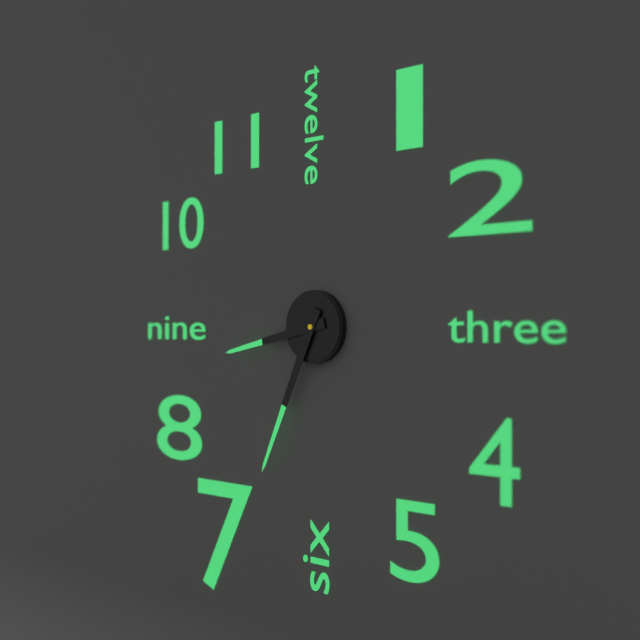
8h34
